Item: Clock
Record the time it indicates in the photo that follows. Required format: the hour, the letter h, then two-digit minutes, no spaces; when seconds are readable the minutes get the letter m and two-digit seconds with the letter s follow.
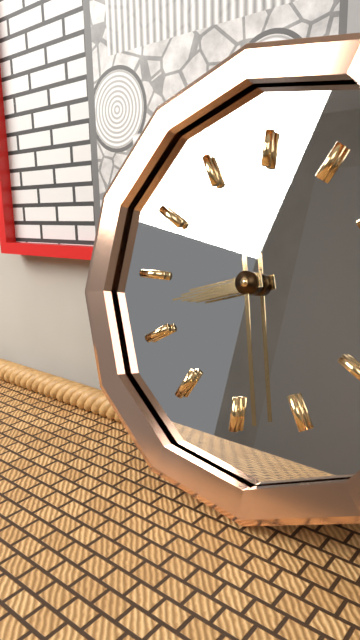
8h28
